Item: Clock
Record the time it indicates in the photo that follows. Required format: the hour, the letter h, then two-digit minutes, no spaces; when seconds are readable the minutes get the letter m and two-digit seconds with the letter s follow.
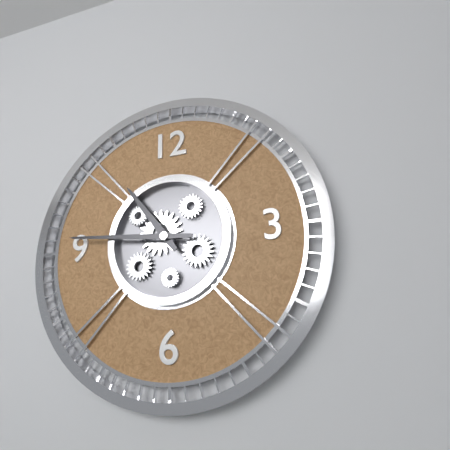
10h46
